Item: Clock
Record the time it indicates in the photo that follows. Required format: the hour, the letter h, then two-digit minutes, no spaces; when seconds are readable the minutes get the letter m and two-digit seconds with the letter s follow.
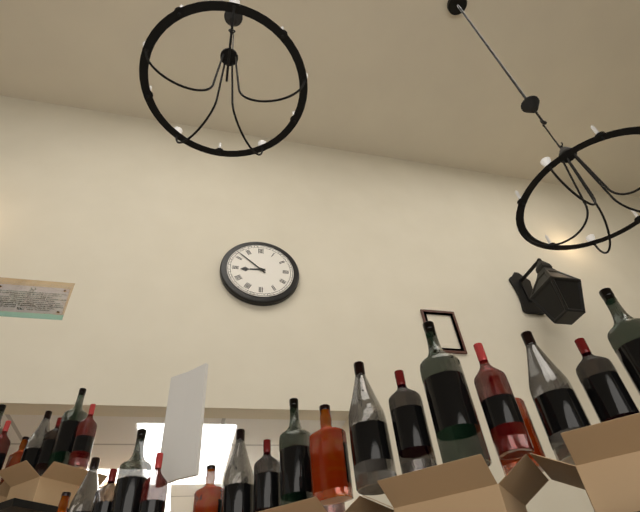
8h52
